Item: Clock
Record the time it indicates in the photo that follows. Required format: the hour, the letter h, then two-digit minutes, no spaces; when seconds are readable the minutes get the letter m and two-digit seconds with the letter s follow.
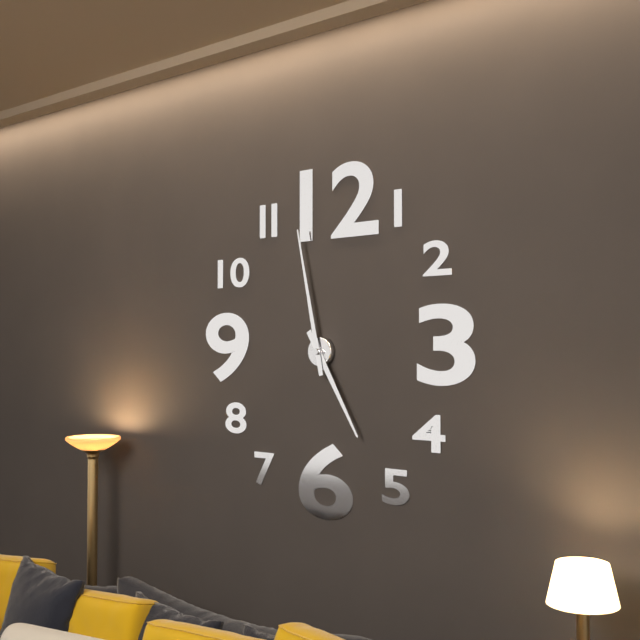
4h58
